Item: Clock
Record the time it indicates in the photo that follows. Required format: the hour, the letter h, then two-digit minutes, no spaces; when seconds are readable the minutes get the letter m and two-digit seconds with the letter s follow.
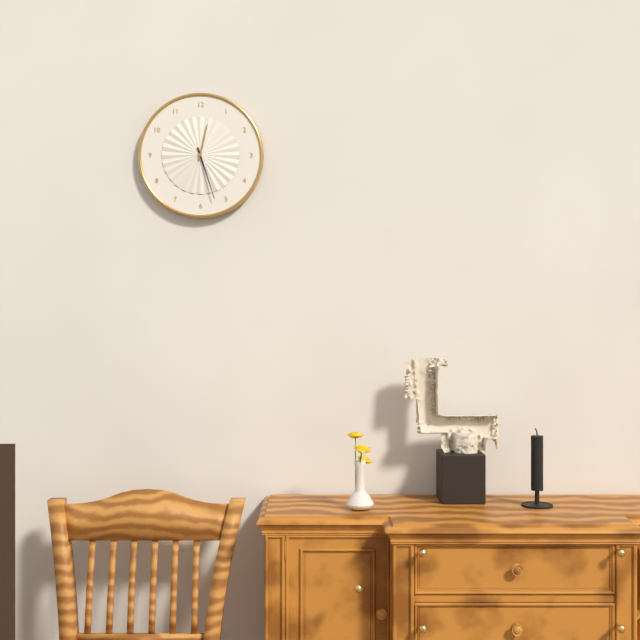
12h27
